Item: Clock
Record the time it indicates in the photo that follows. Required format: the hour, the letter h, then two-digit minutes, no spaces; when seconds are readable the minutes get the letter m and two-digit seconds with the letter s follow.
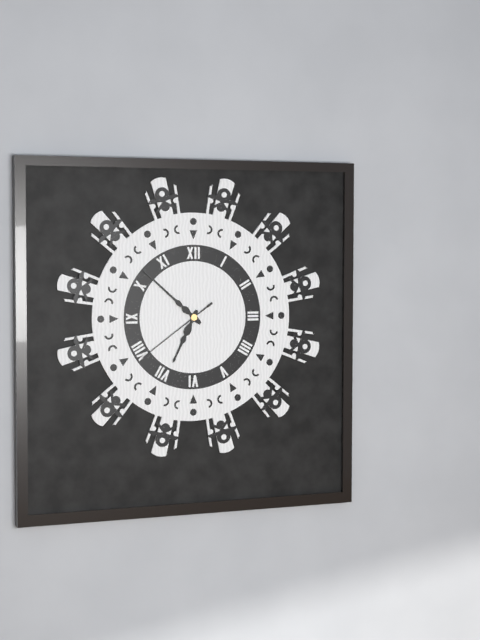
6h52m39s
